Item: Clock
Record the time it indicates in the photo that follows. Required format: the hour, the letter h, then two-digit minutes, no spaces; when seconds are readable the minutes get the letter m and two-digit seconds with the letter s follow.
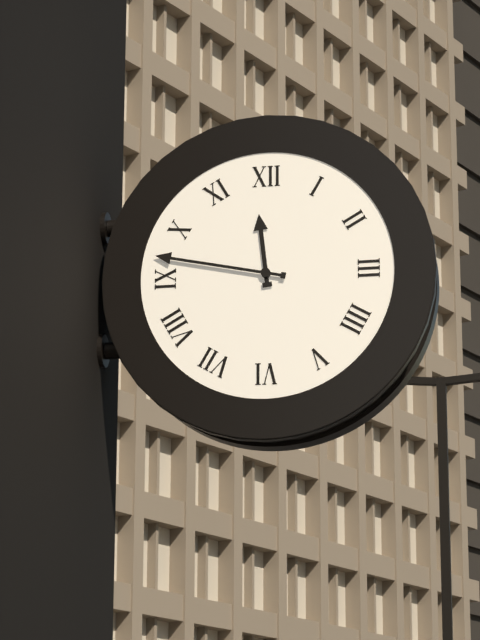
11h47
